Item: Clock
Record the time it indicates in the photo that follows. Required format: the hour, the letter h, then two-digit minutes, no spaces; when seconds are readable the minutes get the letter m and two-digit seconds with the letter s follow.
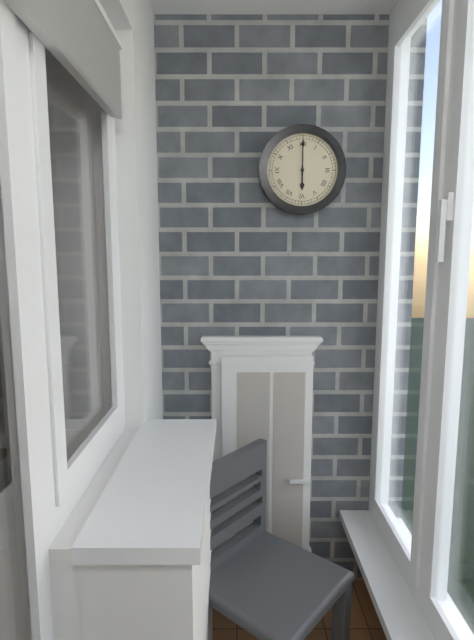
6h00
